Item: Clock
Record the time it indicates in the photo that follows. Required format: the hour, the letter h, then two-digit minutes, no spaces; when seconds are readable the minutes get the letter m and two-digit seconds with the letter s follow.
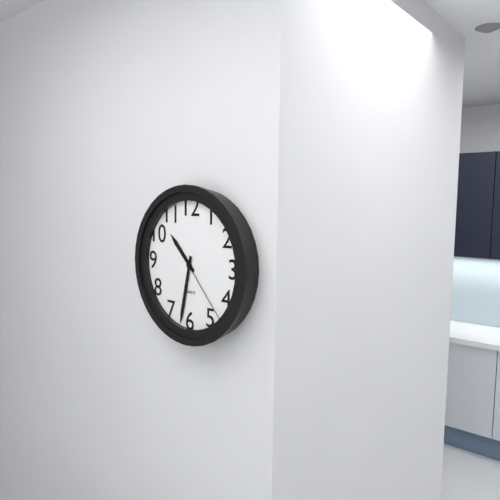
10h32m23s
